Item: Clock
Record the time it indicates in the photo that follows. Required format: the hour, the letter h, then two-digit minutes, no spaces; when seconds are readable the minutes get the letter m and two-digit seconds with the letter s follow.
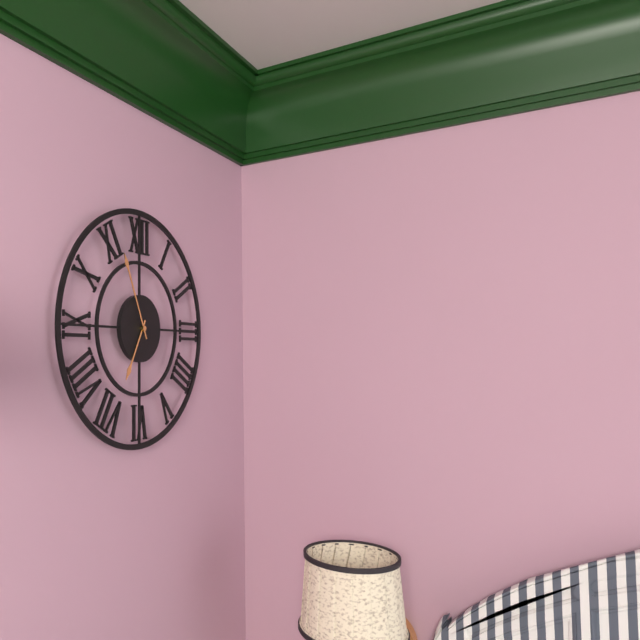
6h56
